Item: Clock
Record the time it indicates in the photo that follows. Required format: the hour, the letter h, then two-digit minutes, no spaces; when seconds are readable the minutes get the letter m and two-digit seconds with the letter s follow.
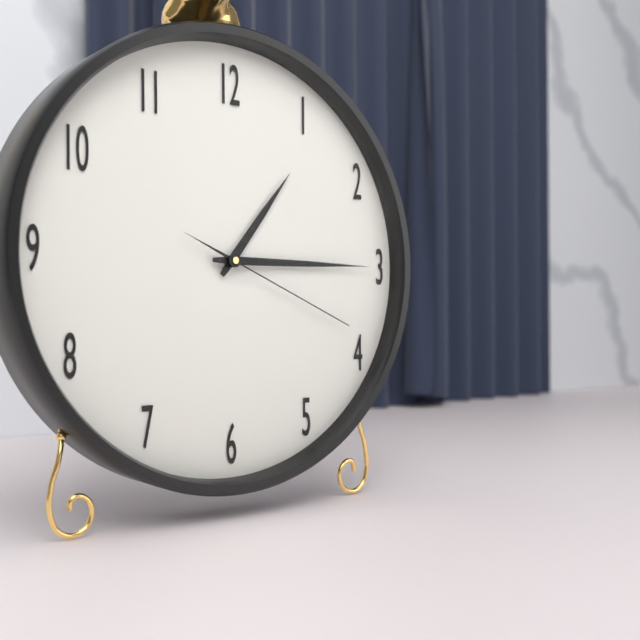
1h15m19s
